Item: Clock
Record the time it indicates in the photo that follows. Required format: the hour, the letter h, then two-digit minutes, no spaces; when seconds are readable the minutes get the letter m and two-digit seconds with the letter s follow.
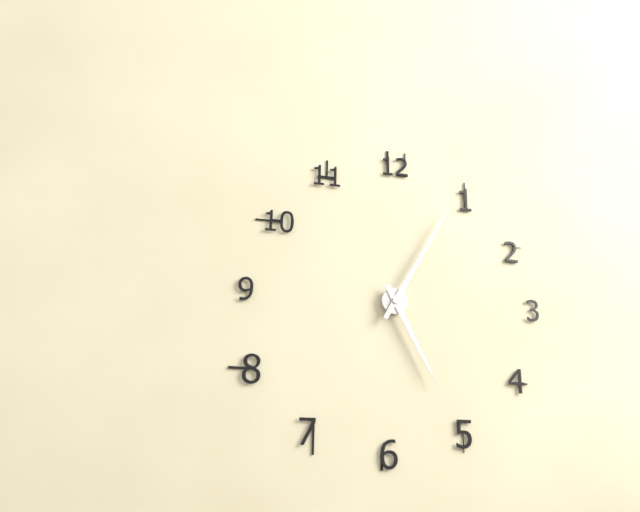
5h05
